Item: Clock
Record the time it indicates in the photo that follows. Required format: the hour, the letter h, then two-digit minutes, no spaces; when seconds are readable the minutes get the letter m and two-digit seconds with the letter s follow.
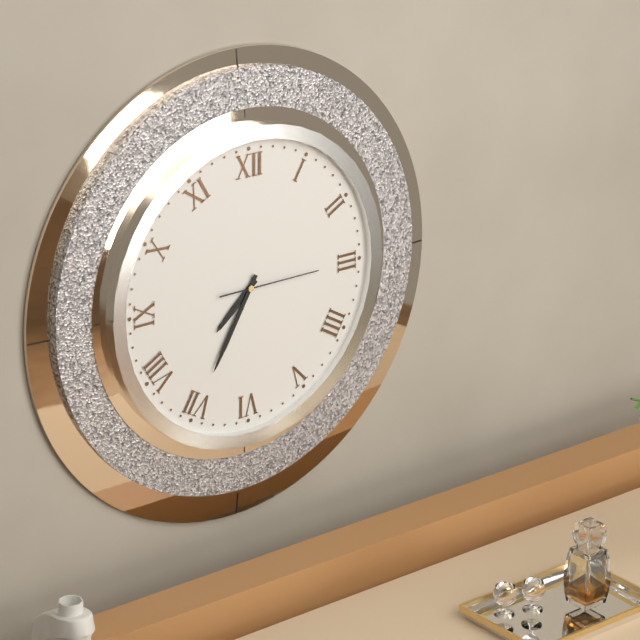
7h35m15s
